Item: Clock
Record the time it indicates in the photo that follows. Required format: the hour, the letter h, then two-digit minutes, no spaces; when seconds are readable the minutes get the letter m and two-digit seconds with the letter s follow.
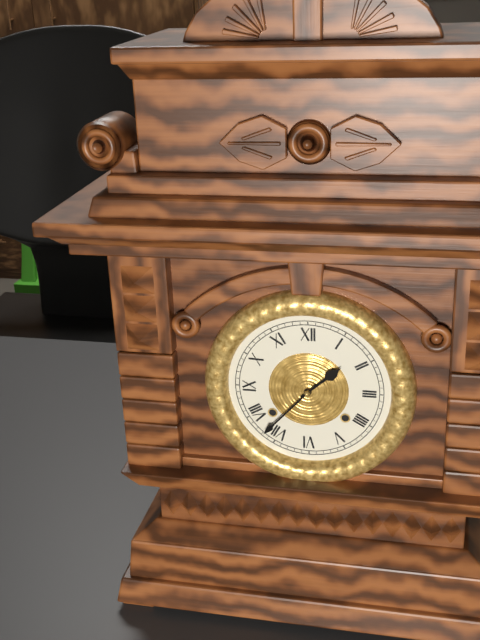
1h37
